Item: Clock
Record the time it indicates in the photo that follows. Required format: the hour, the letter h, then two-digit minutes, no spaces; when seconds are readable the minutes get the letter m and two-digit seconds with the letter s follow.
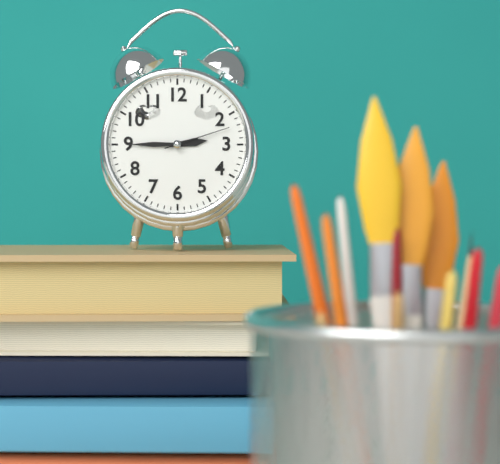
2h45m12s
